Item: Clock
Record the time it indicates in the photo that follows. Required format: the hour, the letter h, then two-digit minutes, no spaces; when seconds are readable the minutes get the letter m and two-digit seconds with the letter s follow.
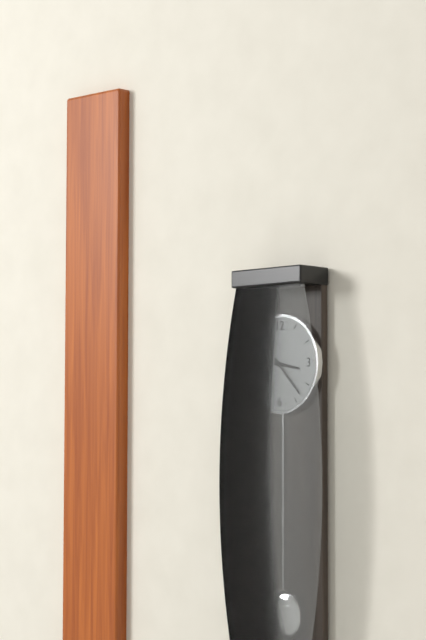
3h23
